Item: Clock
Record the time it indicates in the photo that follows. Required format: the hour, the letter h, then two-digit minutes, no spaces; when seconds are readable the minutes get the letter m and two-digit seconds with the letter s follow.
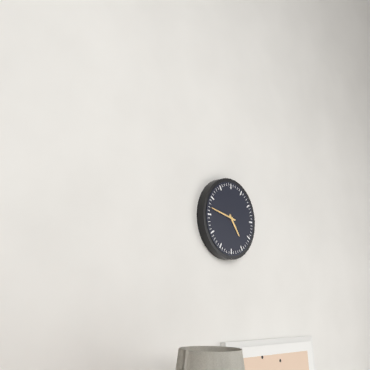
4h47
